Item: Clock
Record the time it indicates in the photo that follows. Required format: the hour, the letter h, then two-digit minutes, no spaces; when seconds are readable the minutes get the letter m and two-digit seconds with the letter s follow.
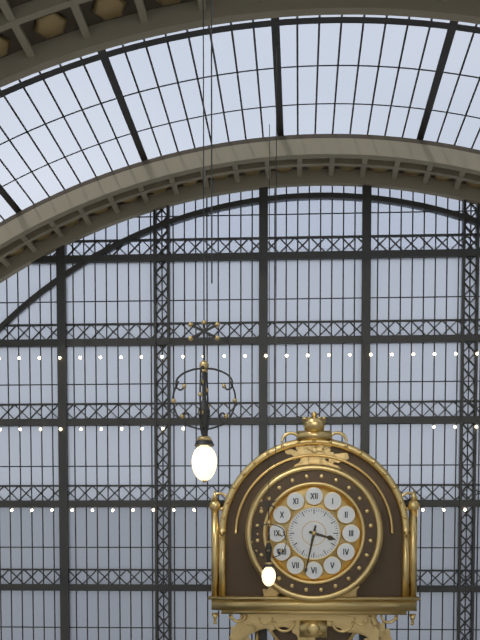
3h32
